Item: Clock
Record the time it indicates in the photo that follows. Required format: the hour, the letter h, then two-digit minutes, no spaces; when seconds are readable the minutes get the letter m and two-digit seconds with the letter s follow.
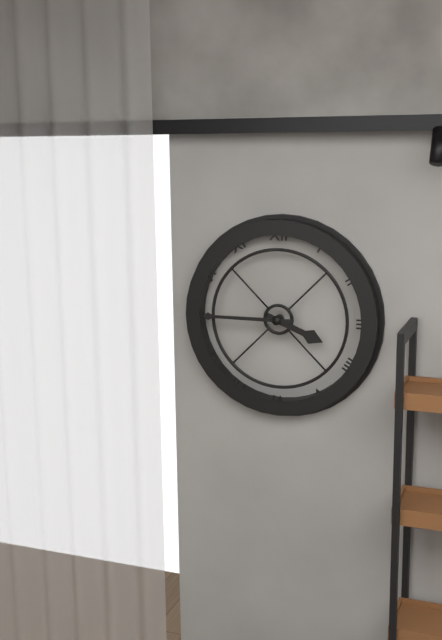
3h45
